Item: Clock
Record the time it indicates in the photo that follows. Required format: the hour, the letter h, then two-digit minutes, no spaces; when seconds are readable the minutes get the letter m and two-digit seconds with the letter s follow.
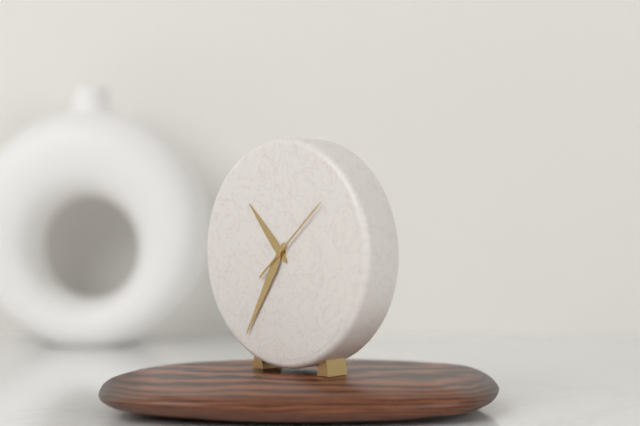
10h35m08s
